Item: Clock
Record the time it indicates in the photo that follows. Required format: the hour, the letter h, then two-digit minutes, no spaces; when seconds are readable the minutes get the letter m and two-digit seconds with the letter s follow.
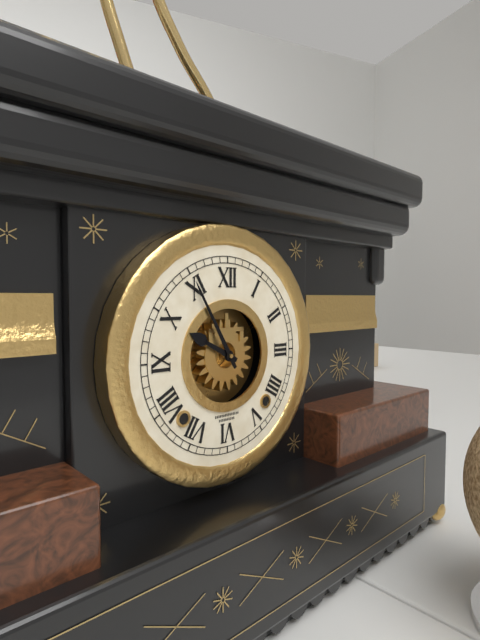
9h55
